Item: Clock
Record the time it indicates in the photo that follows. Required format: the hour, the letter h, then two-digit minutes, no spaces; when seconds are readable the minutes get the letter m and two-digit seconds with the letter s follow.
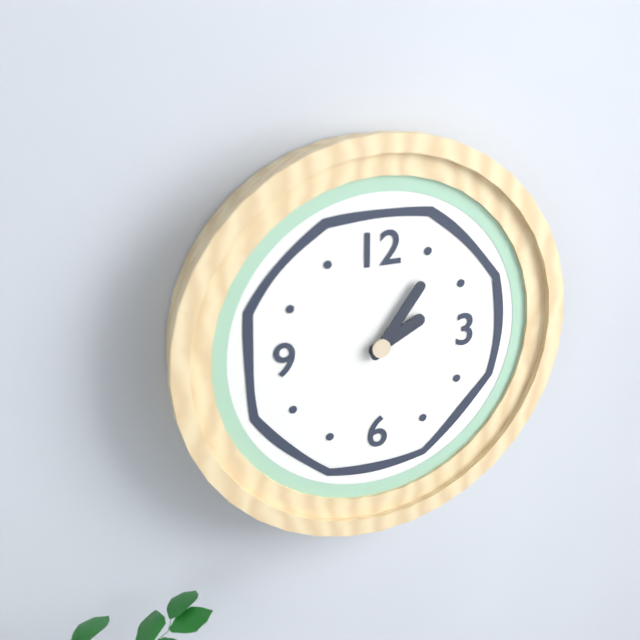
2h06
